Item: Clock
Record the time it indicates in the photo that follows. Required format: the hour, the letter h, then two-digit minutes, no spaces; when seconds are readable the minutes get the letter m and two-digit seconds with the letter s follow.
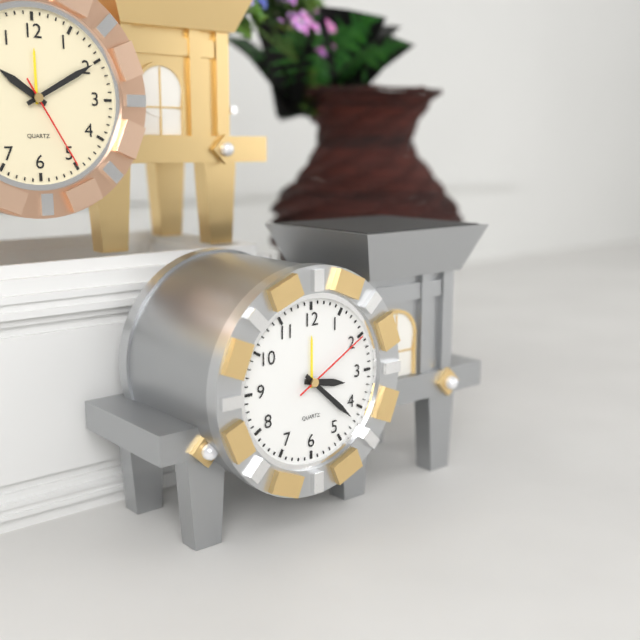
3h22m10s
